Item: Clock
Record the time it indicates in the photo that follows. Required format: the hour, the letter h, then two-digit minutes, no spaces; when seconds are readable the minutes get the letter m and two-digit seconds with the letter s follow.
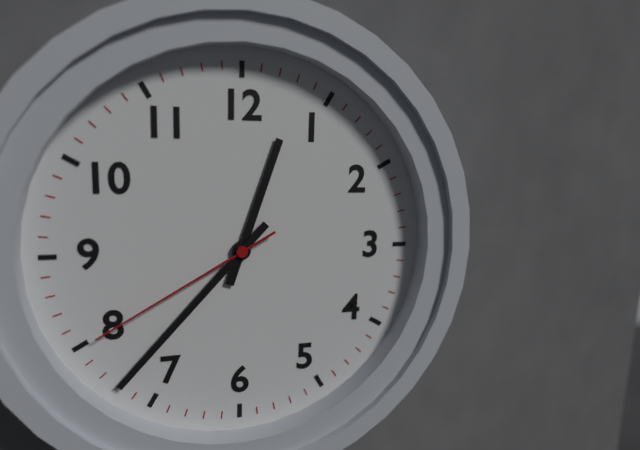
12h37m40s
